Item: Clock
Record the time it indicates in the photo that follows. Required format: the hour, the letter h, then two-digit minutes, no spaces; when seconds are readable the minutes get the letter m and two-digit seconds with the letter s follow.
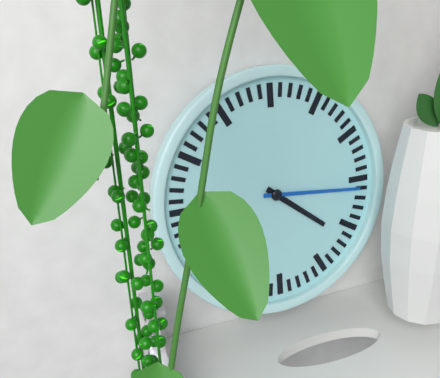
4h16
